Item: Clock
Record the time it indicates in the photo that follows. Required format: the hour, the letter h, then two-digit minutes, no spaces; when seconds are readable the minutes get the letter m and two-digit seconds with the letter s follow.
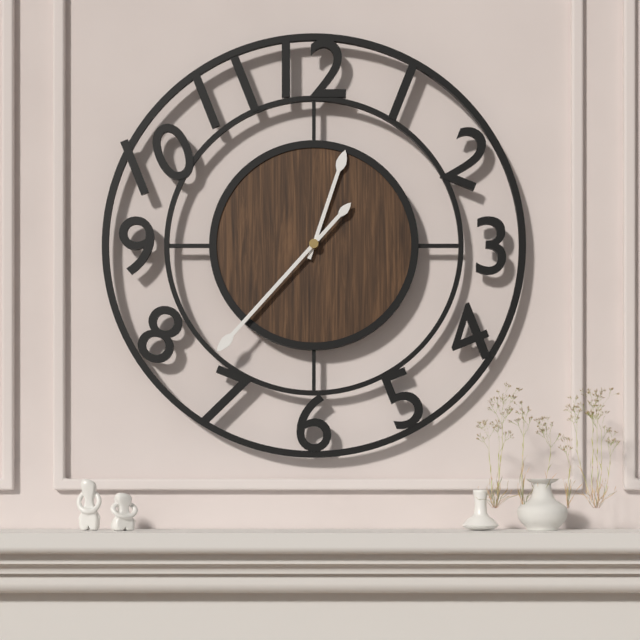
12h37
